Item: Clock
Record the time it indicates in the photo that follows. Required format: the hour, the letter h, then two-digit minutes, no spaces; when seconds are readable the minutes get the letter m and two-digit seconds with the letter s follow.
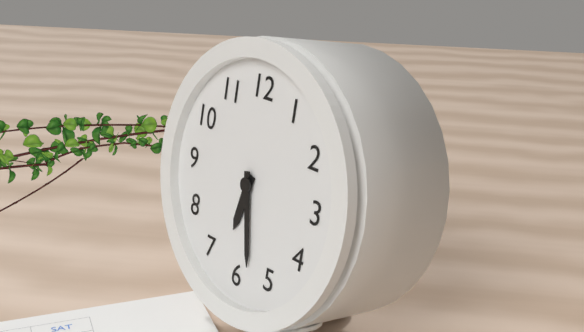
6h28
